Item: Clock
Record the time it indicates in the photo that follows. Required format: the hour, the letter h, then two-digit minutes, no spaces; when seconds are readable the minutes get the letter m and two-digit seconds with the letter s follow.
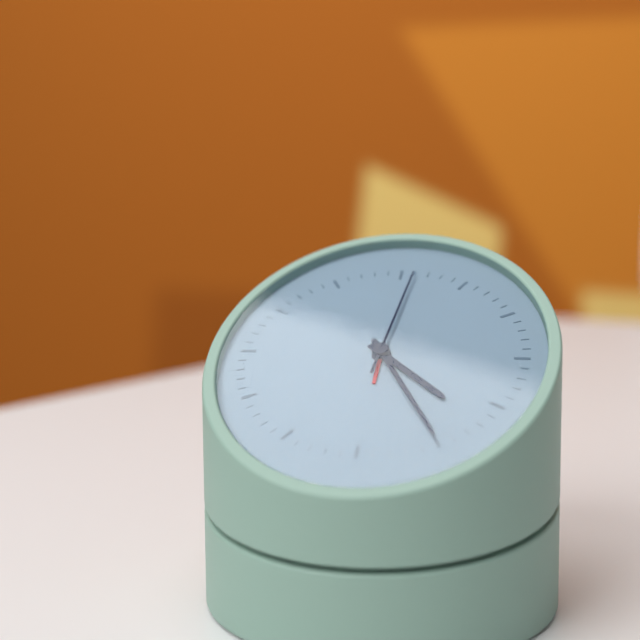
4h25m01s
